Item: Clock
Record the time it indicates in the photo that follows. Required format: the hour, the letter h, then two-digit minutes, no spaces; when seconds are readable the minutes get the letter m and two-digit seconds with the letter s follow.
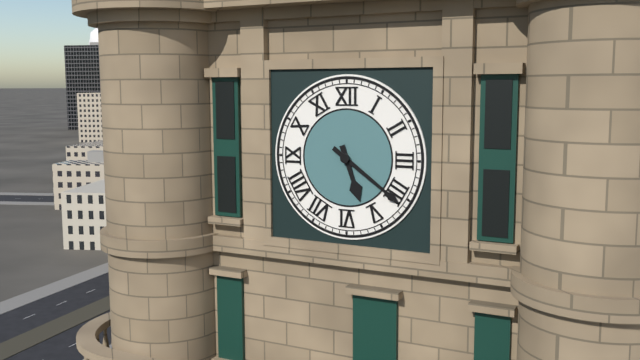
5h21
